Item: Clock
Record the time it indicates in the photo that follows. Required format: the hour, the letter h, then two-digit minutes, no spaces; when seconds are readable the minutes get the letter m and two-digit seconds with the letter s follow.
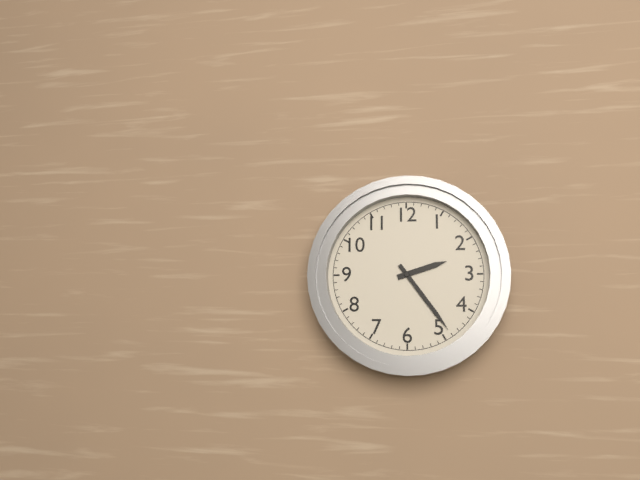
2h24
